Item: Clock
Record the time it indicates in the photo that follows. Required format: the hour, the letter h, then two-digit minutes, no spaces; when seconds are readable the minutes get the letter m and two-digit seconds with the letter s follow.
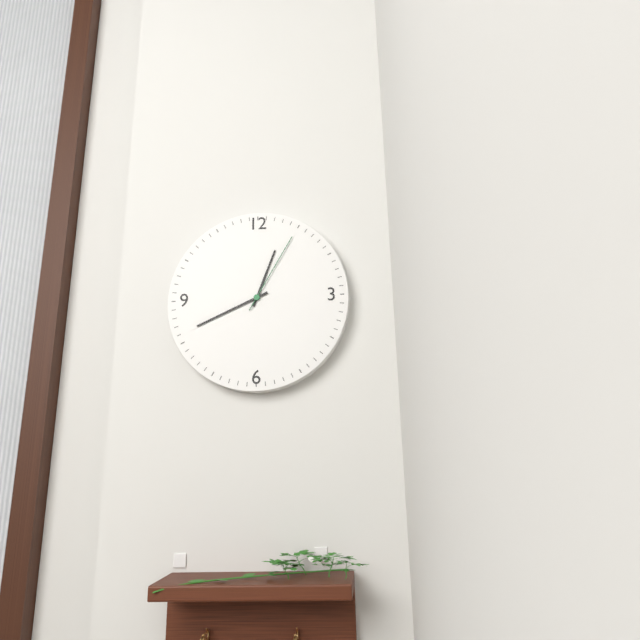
12h41m05s
